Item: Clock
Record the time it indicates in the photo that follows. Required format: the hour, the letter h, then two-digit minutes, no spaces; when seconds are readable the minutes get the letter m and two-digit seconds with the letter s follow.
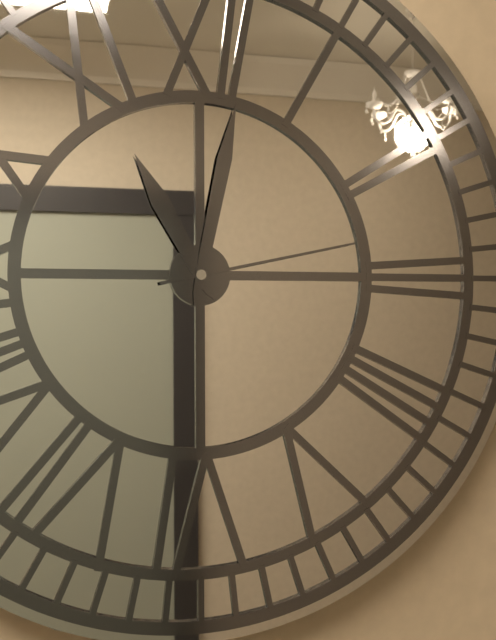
11h02m13s
